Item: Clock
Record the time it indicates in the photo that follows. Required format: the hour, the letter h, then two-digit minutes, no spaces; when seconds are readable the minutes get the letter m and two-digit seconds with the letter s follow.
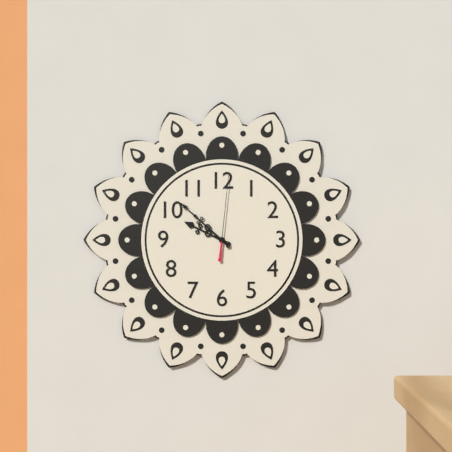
9h52m01s
